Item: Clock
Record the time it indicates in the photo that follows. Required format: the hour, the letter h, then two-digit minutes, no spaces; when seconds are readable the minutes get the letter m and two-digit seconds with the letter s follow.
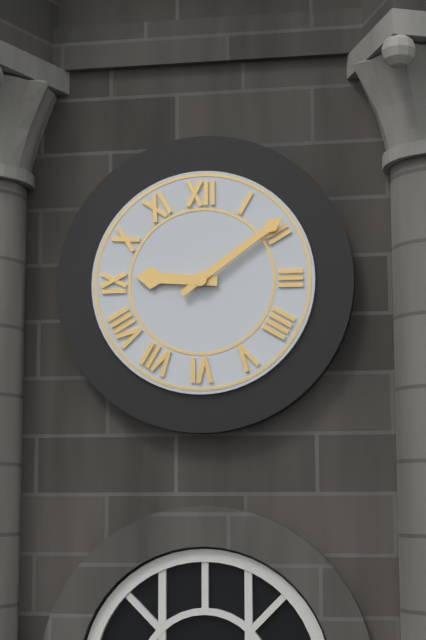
9h09
